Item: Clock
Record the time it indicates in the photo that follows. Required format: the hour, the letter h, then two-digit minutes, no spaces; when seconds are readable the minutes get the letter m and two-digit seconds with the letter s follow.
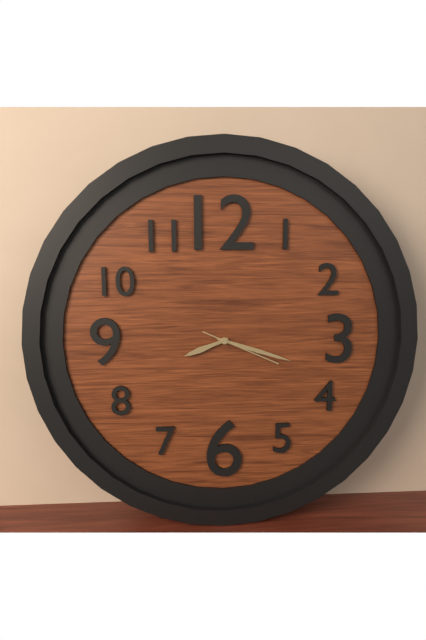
8h18m19s
